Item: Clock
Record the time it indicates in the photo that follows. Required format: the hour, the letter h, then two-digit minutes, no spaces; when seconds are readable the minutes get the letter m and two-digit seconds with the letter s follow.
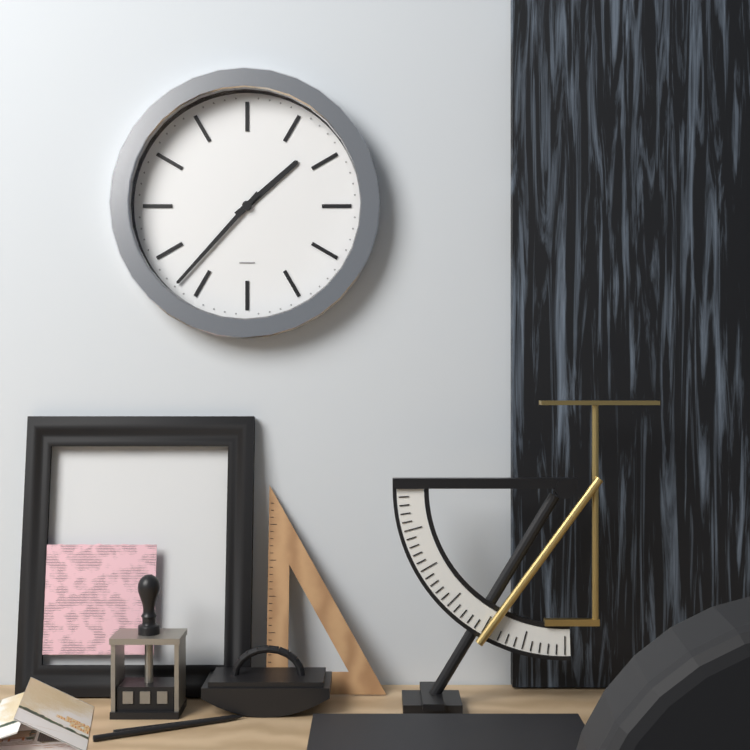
1h37
